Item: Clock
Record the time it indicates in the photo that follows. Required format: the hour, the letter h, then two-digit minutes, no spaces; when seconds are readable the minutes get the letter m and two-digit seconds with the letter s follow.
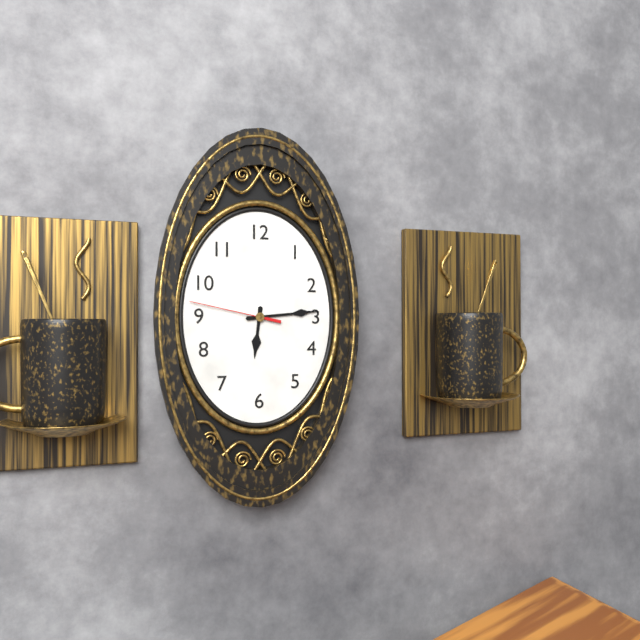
6h14m47s
